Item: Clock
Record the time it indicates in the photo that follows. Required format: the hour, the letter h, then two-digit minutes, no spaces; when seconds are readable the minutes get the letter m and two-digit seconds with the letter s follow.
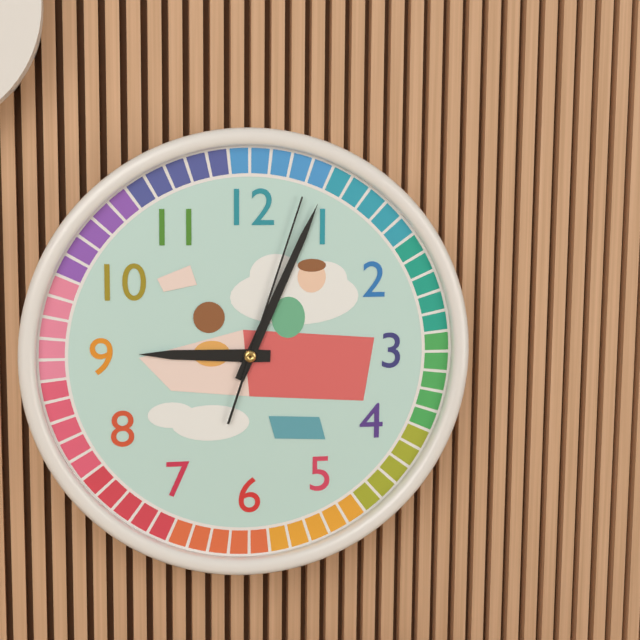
9h04m03s
